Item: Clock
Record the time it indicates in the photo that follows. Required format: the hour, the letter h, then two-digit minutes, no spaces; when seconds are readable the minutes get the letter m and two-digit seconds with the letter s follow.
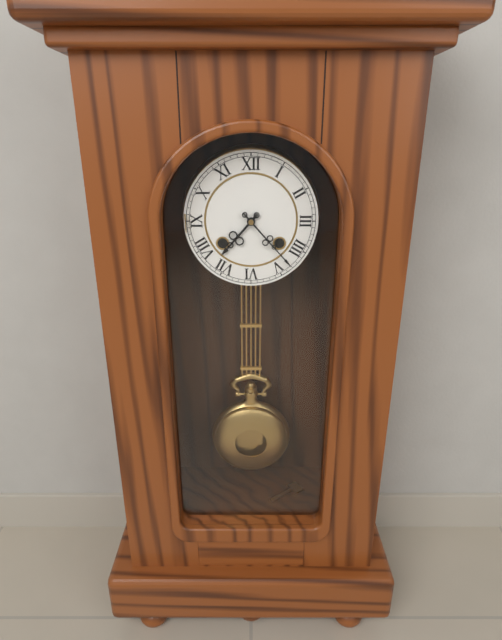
7h23
